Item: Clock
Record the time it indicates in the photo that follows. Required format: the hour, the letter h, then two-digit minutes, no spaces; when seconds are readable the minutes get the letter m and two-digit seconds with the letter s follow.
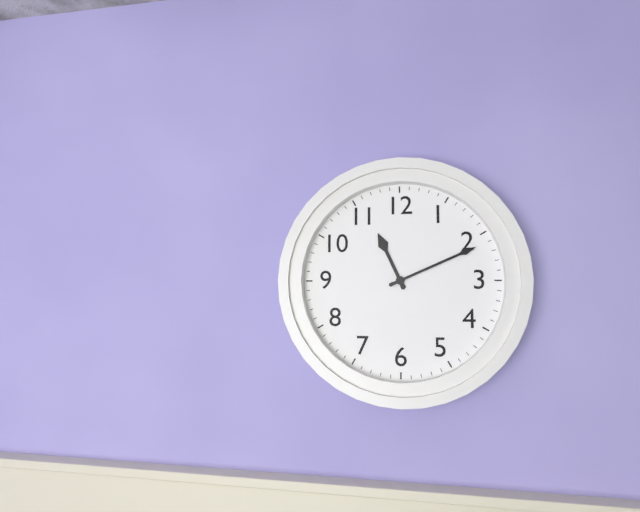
11h11
